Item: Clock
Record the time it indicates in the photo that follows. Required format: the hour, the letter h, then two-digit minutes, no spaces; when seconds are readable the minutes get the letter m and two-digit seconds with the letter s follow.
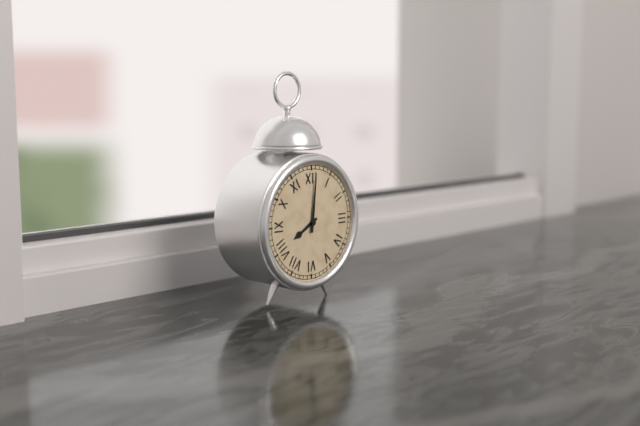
8h01
